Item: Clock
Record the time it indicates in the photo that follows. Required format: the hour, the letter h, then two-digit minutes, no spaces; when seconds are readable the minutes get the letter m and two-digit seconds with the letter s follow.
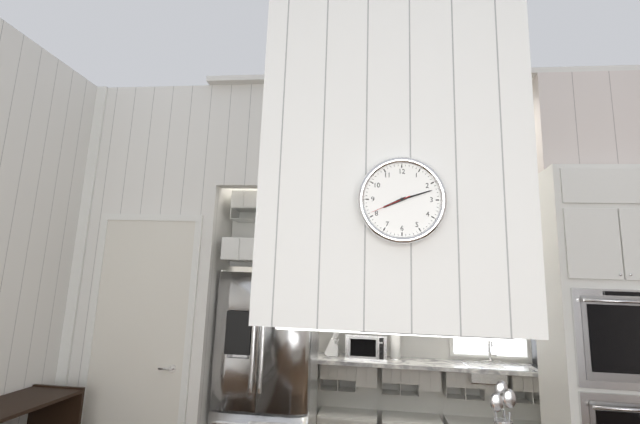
8h12
